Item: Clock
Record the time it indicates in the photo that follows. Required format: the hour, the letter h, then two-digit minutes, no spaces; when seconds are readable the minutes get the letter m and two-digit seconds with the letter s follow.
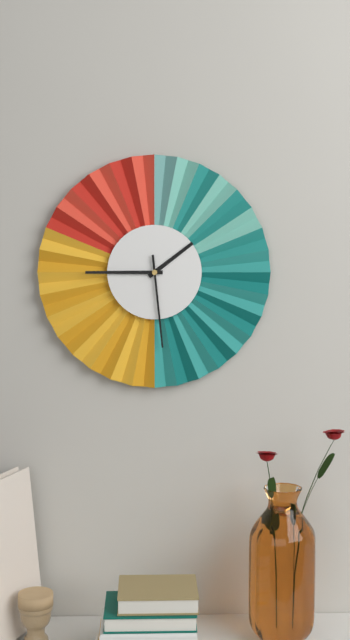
1h45m29s
